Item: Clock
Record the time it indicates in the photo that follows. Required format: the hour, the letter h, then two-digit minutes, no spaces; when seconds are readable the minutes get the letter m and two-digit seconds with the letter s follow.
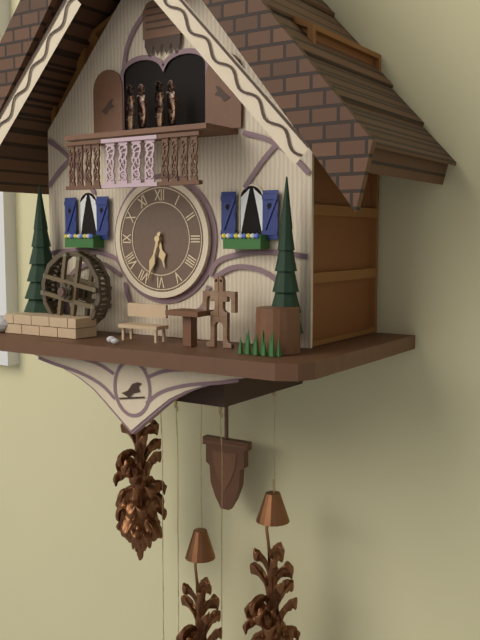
5h33
